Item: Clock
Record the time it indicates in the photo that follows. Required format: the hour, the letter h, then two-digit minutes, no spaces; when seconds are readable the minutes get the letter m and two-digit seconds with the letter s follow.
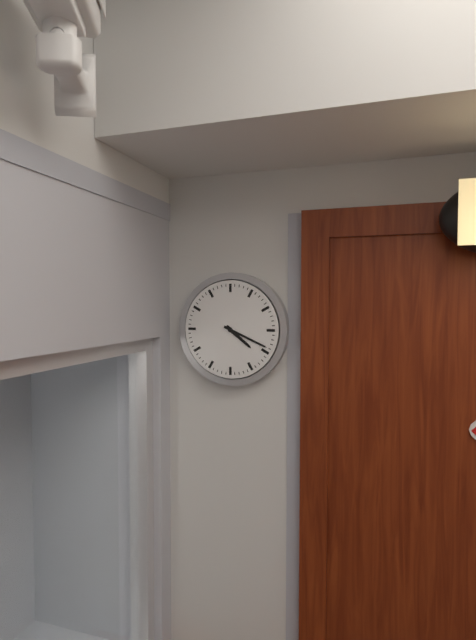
4h19
